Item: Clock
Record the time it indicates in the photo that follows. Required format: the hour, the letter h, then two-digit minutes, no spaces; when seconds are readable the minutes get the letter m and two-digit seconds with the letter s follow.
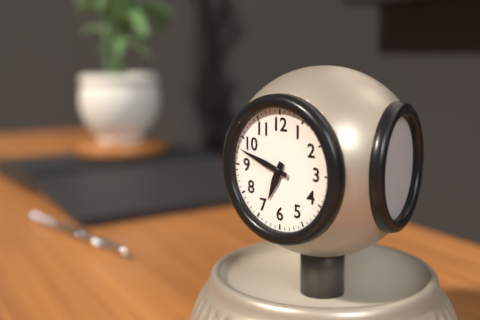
6h48
